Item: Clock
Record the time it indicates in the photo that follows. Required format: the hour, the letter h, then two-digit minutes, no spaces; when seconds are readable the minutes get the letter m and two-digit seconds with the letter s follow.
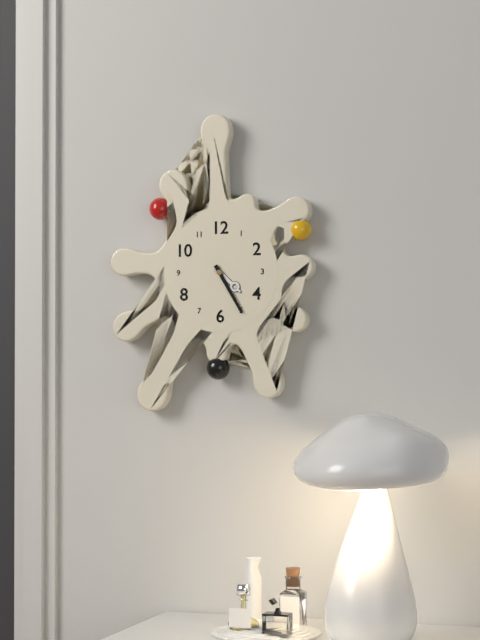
4h25
